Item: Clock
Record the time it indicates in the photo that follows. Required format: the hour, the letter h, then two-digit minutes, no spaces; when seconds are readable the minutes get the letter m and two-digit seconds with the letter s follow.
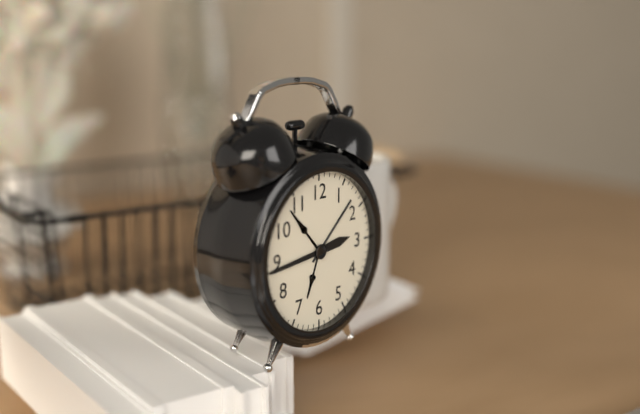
2h44
